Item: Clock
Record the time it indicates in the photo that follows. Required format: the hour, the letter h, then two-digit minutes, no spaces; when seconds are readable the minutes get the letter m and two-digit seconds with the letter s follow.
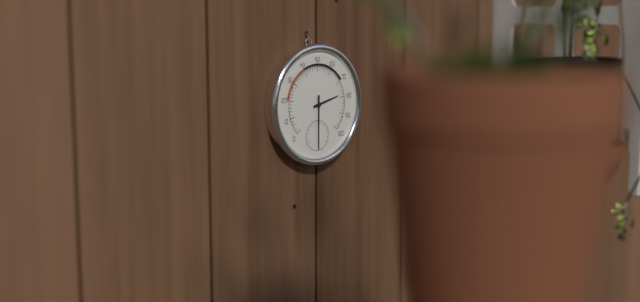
2h30
